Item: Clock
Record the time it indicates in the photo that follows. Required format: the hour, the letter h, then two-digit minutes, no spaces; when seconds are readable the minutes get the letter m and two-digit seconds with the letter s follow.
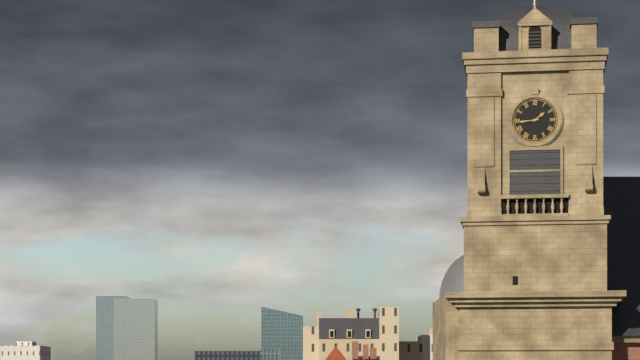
1h44
